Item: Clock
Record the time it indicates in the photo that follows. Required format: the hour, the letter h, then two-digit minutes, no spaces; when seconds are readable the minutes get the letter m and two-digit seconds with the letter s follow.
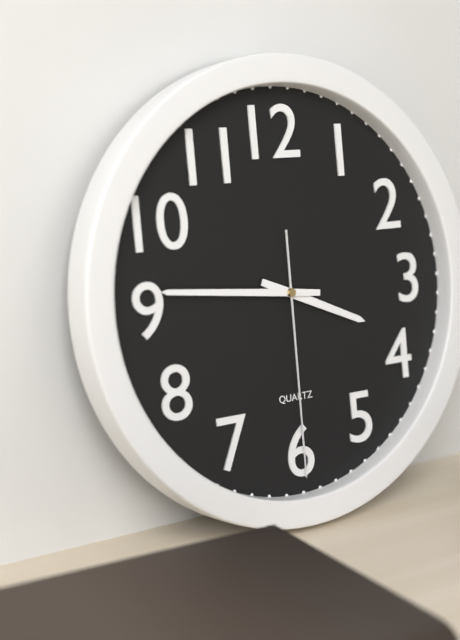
3h46m30s
